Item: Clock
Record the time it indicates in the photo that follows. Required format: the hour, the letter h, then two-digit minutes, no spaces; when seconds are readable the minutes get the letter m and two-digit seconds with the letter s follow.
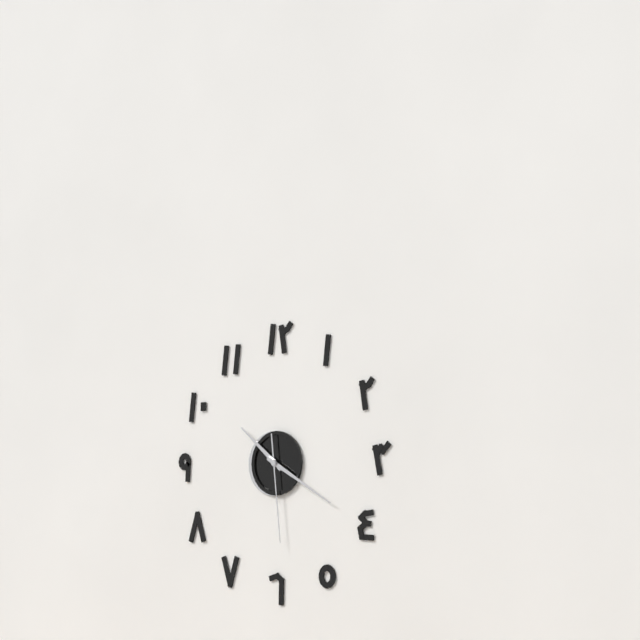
10h20m29s
